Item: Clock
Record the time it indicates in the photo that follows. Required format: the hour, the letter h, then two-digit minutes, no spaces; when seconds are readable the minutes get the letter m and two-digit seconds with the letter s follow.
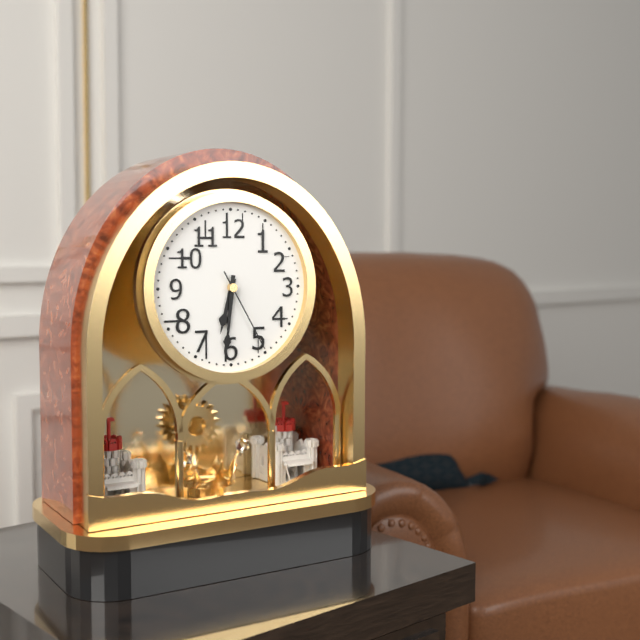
6h31m25s
